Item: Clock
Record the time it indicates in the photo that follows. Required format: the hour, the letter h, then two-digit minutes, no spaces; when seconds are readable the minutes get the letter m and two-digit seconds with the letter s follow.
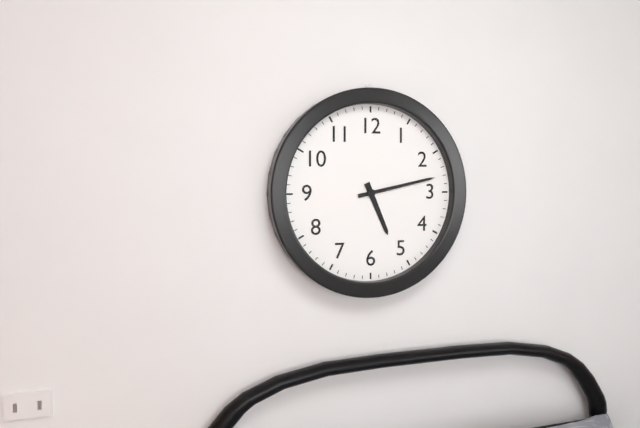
5h13
